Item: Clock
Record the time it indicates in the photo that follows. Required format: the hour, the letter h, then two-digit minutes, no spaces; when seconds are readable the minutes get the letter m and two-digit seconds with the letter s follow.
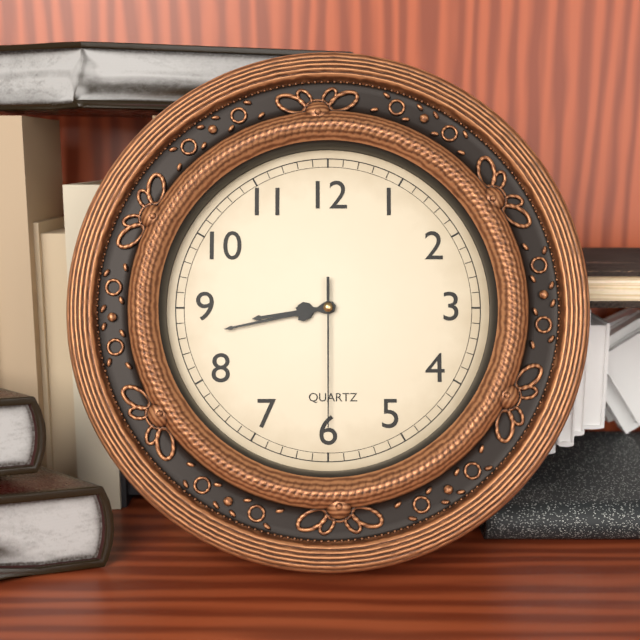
8h43m30s
